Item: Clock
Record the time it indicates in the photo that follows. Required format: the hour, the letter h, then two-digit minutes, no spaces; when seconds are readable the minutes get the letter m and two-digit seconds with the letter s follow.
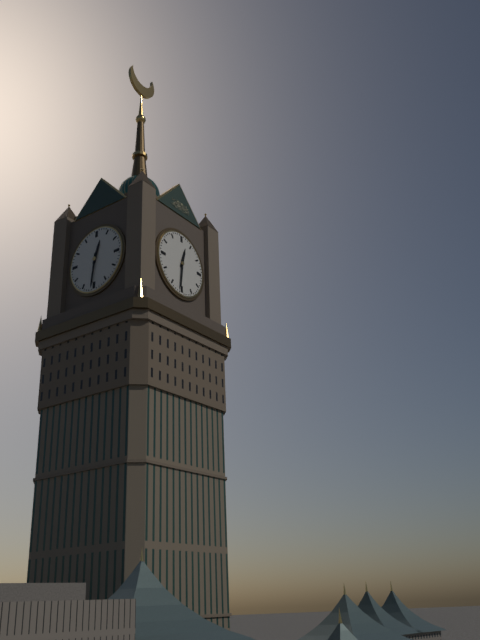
12h31
